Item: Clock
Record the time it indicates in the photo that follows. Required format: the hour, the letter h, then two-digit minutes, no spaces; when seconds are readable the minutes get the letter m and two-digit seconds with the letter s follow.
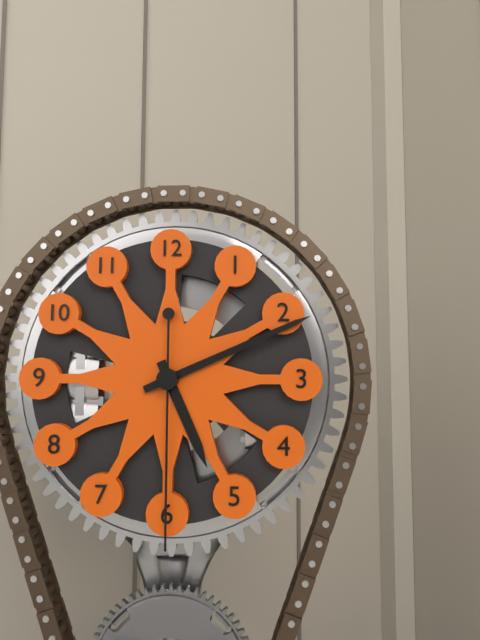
5h11m30s
